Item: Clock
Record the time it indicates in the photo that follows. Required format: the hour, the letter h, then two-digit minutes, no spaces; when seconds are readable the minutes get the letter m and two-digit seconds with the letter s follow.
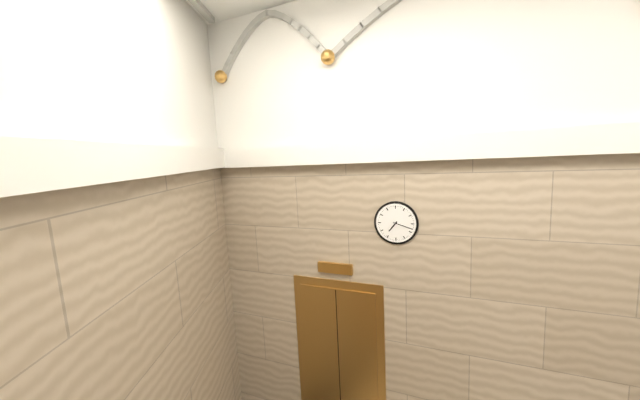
7h18
